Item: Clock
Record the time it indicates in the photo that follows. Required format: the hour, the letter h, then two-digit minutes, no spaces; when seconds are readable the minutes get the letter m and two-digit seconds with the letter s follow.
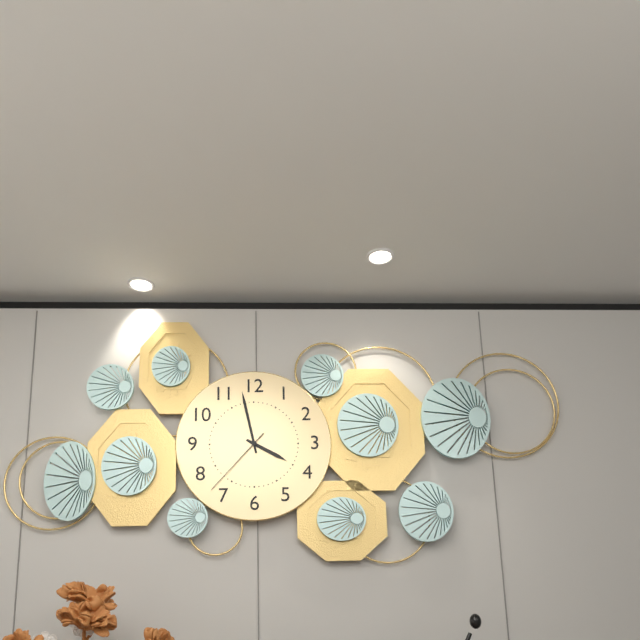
3h58m37s
